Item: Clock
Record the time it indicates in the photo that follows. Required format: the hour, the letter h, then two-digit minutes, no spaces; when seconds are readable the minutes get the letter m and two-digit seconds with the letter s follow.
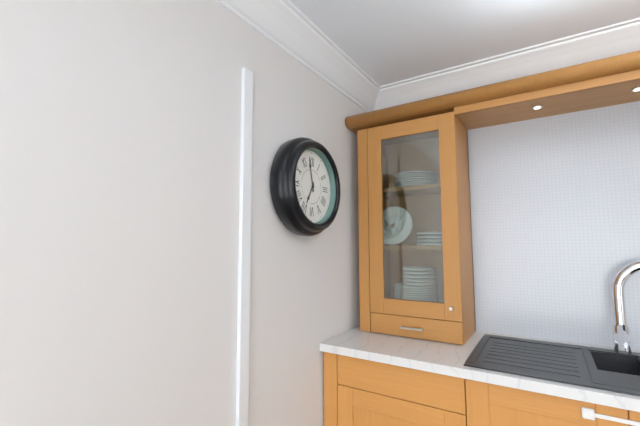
6h58
